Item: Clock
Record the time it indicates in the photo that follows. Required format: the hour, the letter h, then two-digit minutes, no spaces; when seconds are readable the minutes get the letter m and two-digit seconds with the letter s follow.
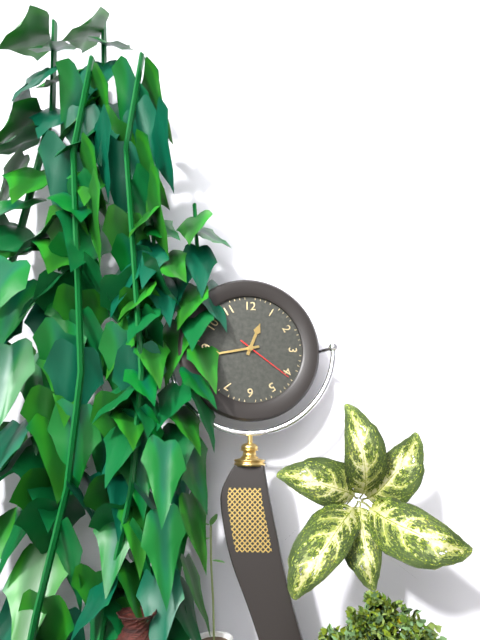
12h43m21s
